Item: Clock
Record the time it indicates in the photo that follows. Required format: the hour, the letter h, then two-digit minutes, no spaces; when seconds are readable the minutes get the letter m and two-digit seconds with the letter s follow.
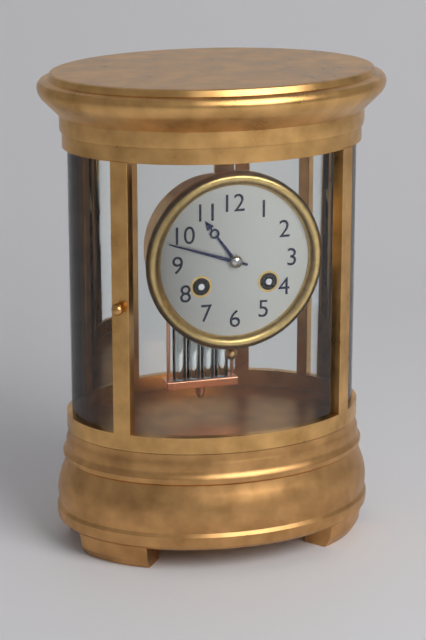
10h48
